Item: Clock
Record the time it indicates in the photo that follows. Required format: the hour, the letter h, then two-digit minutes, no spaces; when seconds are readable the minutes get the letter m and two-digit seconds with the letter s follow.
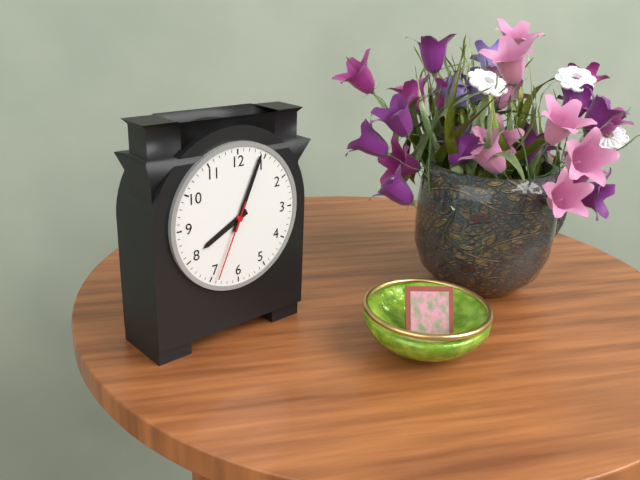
8h04m34s
